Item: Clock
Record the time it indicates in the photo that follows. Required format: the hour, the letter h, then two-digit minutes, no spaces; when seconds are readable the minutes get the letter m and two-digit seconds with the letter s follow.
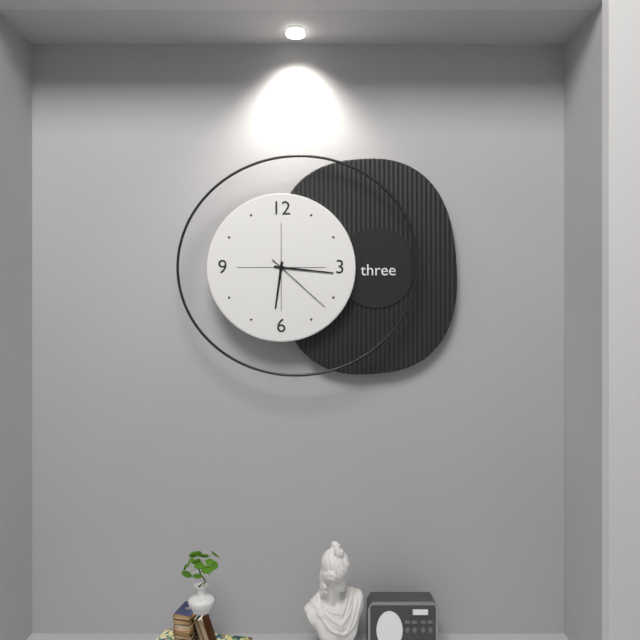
6h16m22s
